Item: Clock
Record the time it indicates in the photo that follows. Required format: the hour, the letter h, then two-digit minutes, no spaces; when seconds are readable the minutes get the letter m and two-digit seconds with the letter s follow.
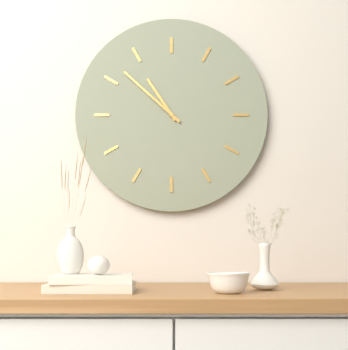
10h52
